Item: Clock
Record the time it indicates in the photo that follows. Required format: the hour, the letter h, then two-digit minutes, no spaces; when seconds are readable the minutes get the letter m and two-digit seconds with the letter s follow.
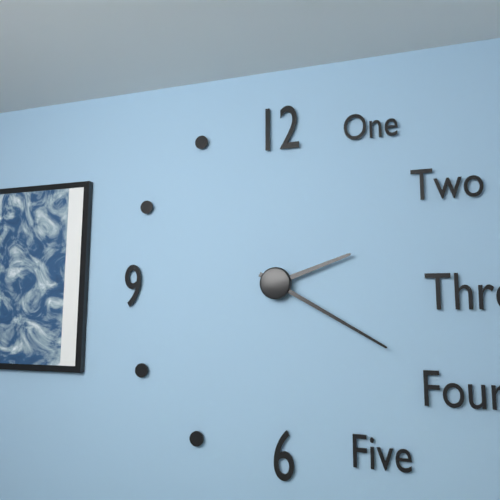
2h20
